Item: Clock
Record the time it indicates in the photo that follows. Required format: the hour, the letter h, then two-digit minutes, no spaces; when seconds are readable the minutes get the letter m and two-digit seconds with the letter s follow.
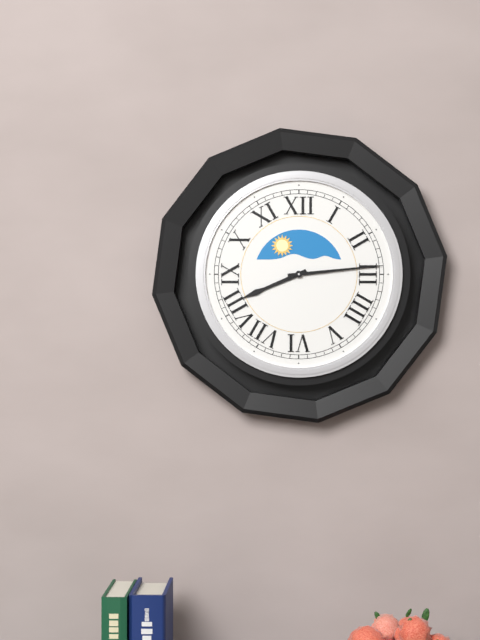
8h14
